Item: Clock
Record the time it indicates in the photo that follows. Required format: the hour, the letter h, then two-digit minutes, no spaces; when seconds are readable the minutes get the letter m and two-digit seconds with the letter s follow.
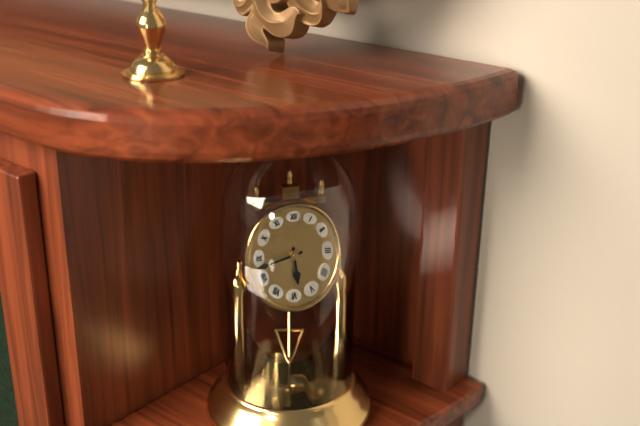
5h43
